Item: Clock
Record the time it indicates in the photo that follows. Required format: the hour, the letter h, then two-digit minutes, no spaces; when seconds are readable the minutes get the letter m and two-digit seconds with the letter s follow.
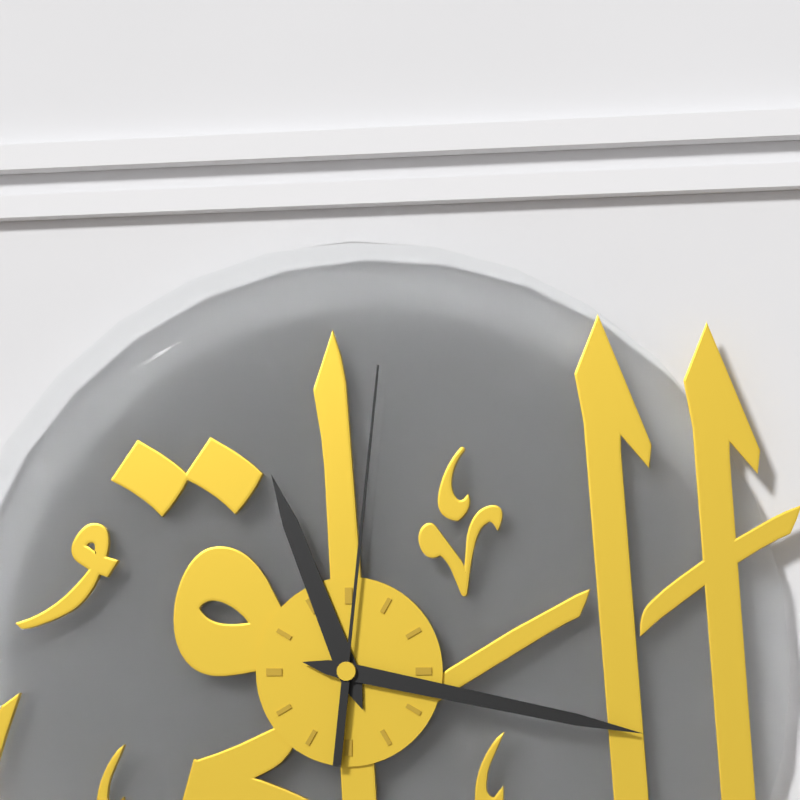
11h17m01s
